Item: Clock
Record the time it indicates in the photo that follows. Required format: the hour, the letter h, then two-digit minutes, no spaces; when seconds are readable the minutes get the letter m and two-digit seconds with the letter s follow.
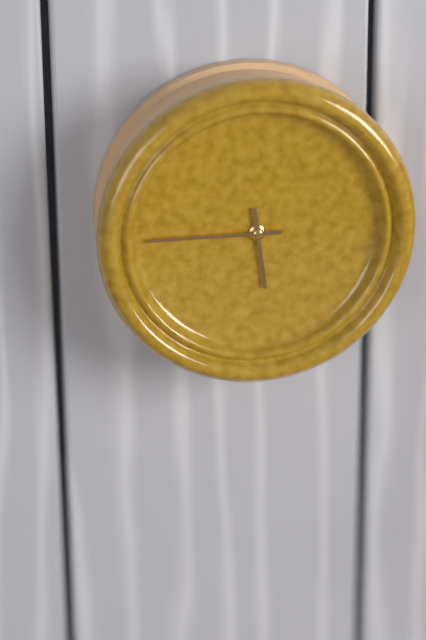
5h45
